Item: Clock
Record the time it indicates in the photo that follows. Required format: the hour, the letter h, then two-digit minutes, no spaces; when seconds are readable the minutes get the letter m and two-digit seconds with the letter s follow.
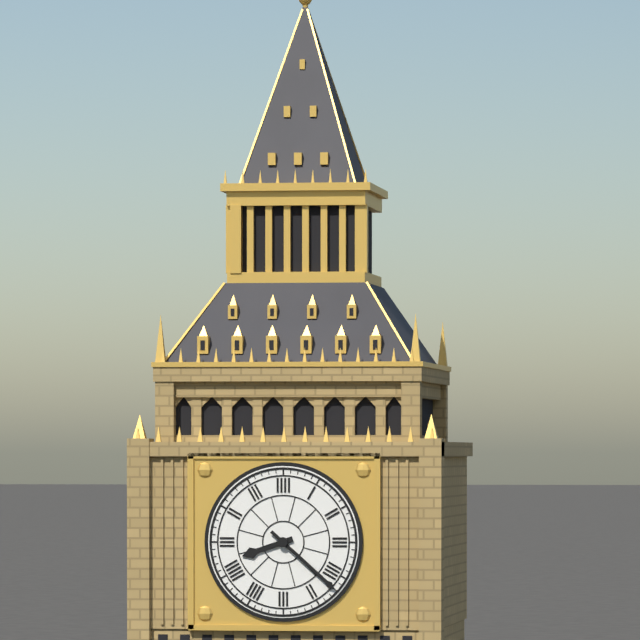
8h22
